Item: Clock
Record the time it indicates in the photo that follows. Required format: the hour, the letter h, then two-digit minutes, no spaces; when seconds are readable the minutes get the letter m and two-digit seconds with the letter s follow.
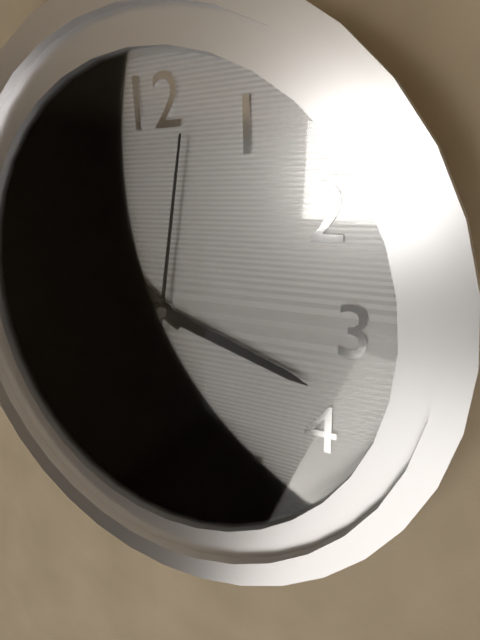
10h18m02s
